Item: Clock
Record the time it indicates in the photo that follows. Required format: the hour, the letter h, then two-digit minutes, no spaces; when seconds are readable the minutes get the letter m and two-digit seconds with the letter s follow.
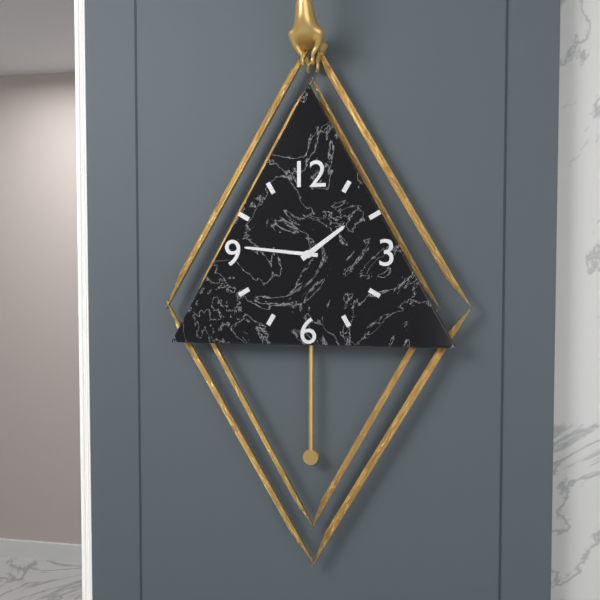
1h46
